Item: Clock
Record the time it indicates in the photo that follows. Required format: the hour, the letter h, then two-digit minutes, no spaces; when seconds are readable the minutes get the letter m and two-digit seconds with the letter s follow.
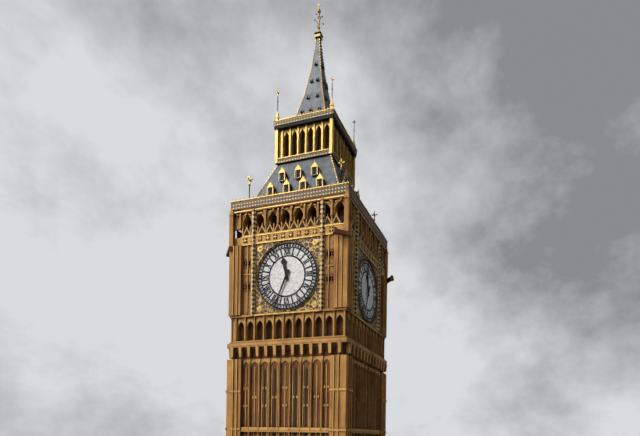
11h34
